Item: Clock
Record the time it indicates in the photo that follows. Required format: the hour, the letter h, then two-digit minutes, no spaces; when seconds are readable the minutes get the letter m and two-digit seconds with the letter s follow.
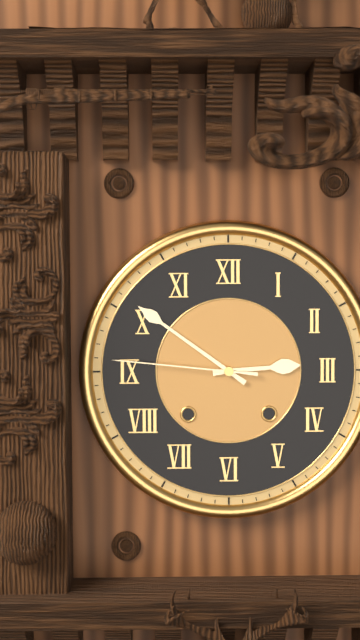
2h51m46s
